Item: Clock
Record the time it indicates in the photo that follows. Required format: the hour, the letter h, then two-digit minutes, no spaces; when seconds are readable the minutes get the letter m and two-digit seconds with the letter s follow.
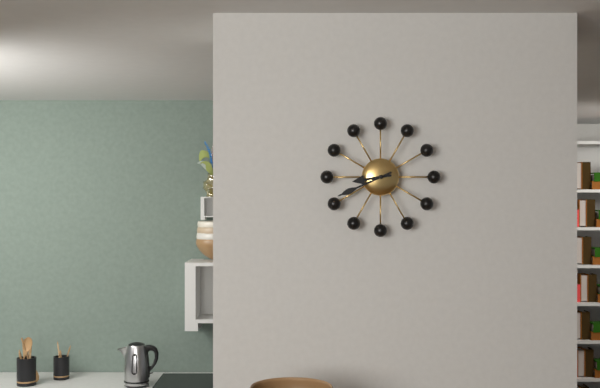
8h41
